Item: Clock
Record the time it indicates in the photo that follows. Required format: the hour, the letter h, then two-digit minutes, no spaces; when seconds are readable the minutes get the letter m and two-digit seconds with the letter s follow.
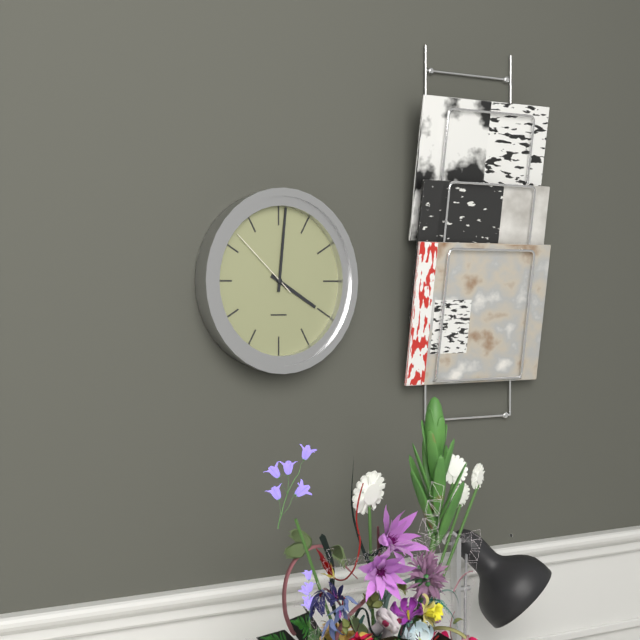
4h01m52s
